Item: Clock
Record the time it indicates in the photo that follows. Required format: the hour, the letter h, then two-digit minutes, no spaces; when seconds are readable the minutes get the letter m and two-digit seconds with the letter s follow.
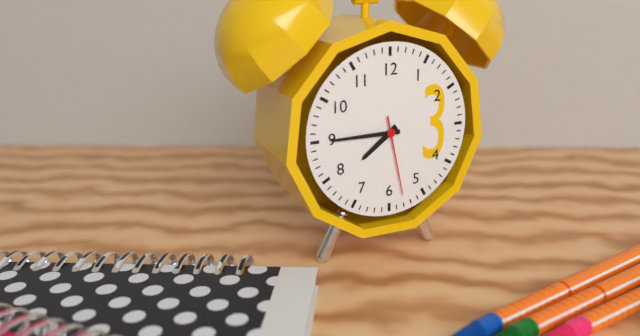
7h45m28s
